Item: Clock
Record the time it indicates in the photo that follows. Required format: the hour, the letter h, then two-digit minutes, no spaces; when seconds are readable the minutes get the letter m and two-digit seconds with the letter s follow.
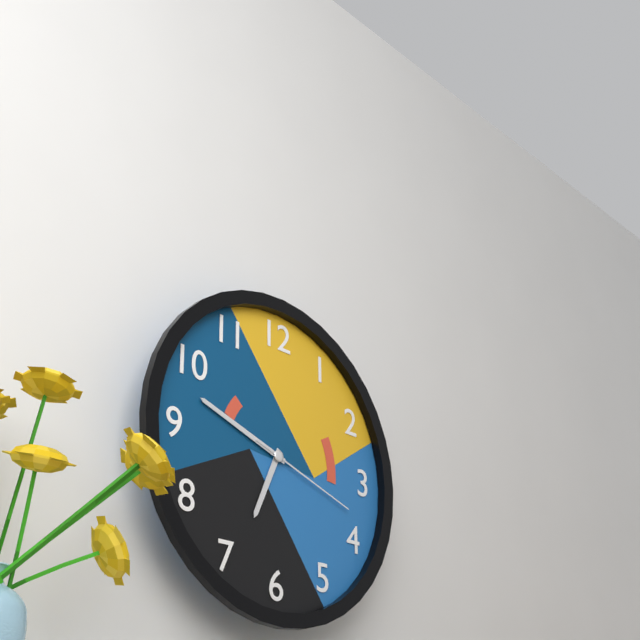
6h48m18s
